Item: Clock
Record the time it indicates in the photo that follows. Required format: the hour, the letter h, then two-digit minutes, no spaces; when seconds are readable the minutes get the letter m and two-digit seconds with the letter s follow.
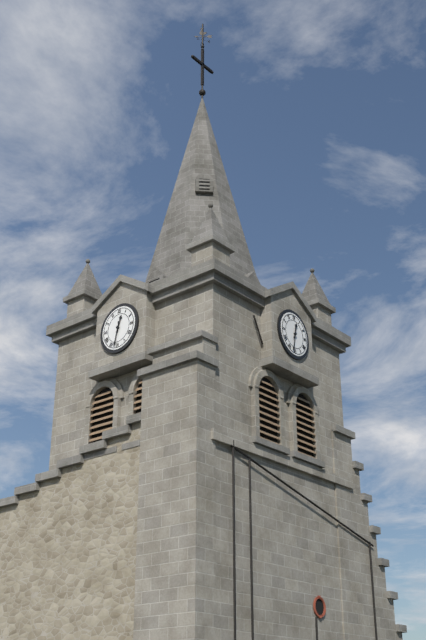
12h32
